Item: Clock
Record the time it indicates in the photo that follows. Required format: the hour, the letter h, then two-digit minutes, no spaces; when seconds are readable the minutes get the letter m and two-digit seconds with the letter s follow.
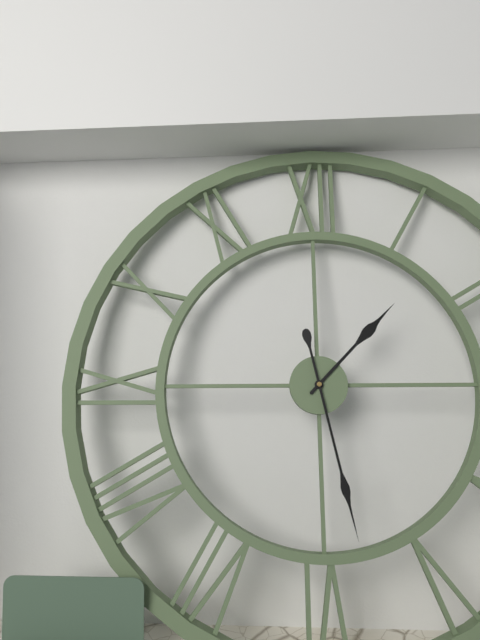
1h28
